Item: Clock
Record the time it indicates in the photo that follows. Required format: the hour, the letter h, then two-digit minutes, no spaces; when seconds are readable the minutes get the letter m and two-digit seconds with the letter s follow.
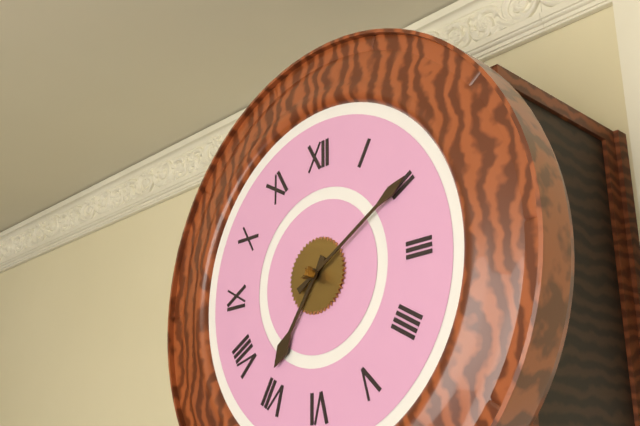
7h10
